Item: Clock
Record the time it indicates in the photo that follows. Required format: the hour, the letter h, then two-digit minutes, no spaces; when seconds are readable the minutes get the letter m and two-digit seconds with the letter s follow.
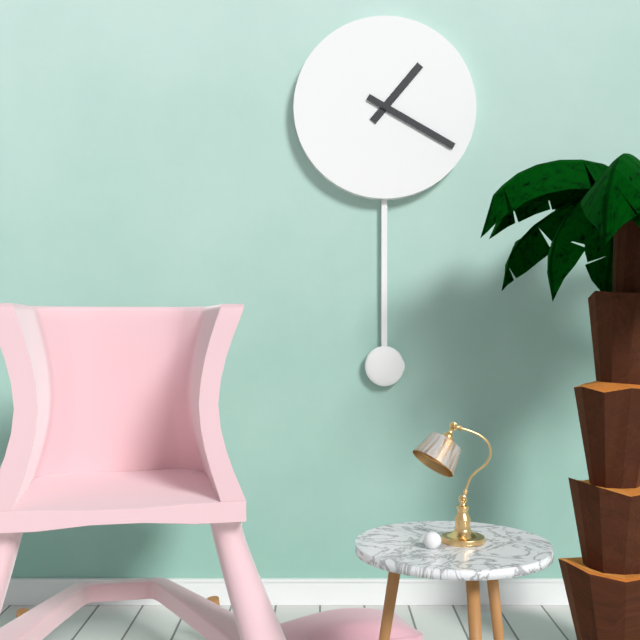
1h20
